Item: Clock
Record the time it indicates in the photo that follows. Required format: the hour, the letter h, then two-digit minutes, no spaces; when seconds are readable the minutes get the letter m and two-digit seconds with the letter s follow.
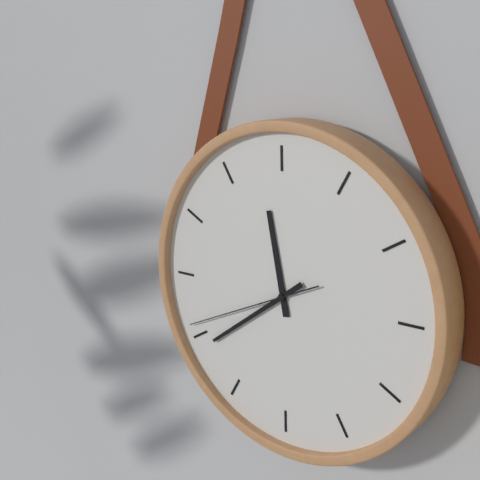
11h39m41s
